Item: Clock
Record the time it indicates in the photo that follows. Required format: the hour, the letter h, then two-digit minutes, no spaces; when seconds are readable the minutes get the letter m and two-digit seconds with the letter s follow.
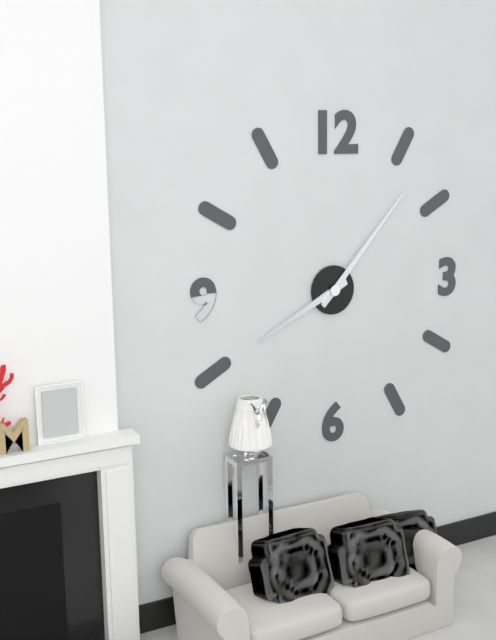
8h07
